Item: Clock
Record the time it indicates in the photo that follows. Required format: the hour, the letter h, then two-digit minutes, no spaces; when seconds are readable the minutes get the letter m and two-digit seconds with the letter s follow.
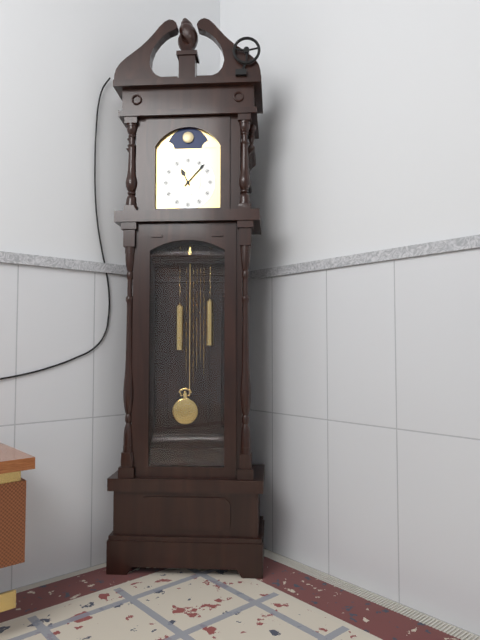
11h07
